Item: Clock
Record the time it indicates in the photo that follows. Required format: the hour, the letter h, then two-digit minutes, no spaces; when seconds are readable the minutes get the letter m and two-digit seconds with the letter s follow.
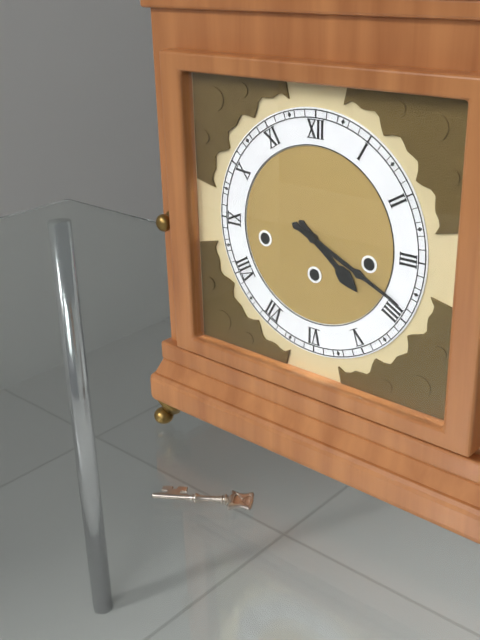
4h19
